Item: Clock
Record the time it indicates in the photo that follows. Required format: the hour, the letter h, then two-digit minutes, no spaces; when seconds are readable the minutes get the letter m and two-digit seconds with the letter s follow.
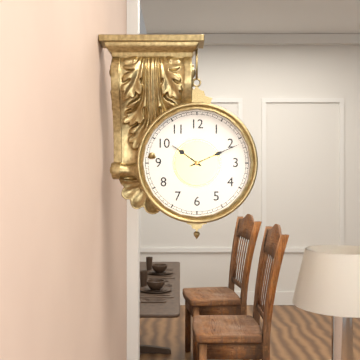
10h11
